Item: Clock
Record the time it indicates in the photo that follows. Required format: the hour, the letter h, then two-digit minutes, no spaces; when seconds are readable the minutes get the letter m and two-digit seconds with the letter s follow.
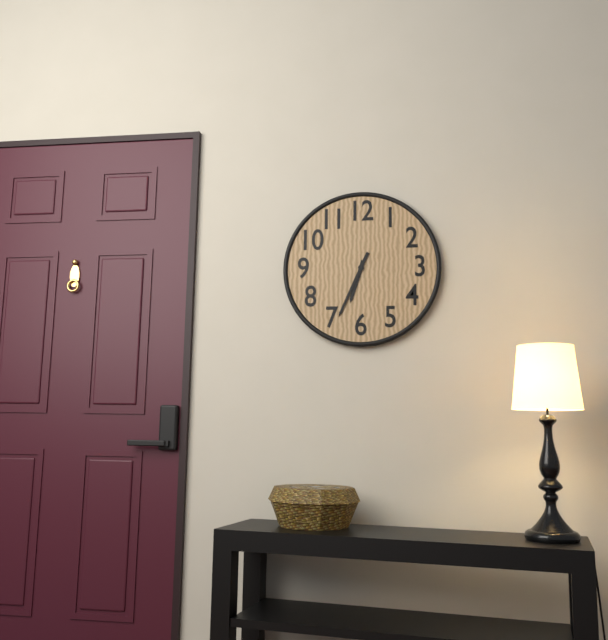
6h34
